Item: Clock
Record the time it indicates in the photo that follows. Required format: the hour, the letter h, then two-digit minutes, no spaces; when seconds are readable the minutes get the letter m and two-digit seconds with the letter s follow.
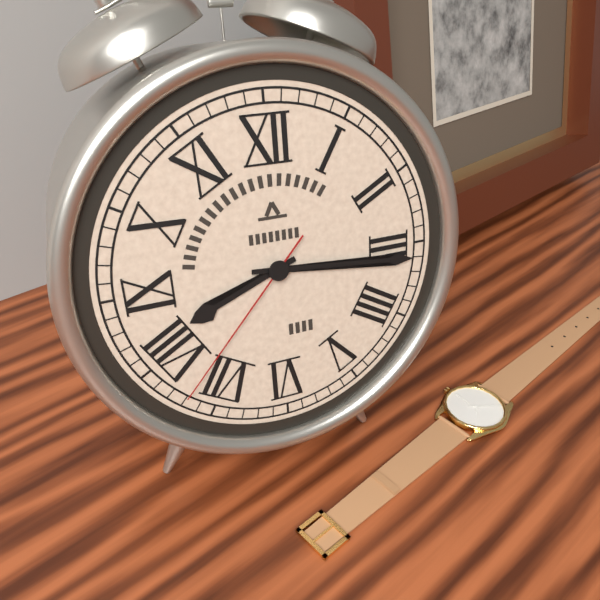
8h16m37s
